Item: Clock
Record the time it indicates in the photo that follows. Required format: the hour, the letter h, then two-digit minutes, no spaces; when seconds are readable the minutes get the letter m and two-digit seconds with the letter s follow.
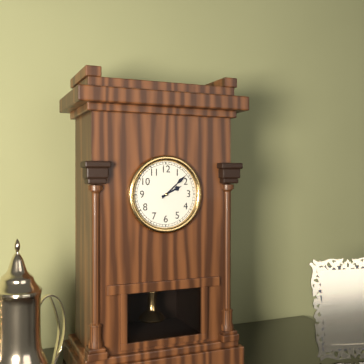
2h08
